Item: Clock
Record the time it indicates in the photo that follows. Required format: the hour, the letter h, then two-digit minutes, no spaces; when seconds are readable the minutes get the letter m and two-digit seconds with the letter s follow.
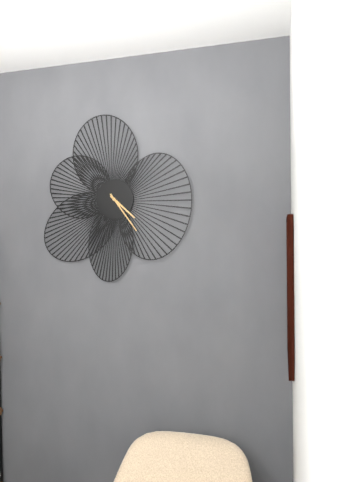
4h24
